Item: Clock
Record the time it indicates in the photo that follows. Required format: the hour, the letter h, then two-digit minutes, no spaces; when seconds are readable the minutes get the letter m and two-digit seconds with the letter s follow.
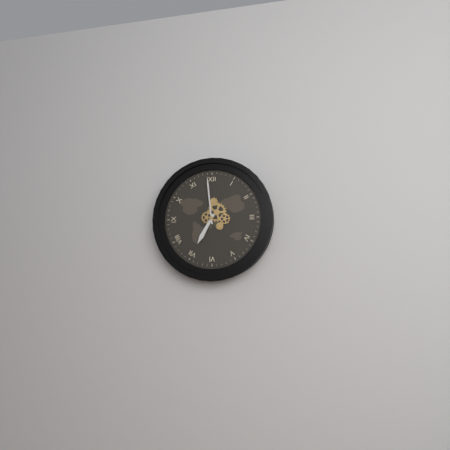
6h59
